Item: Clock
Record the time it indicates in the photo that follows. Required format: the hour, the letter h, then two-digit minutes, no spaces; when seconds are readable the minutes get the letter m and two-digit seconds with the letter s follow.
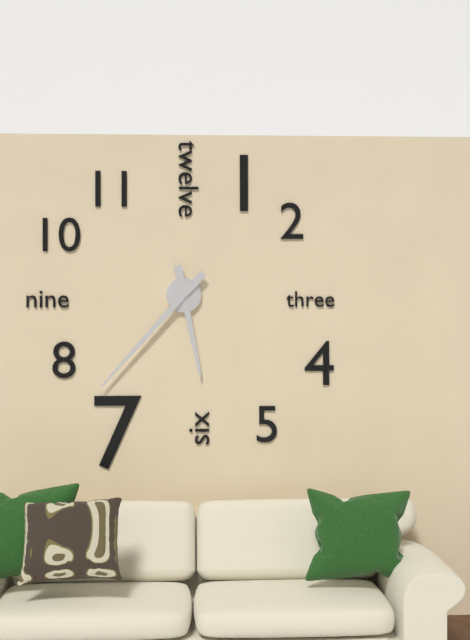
5h37
